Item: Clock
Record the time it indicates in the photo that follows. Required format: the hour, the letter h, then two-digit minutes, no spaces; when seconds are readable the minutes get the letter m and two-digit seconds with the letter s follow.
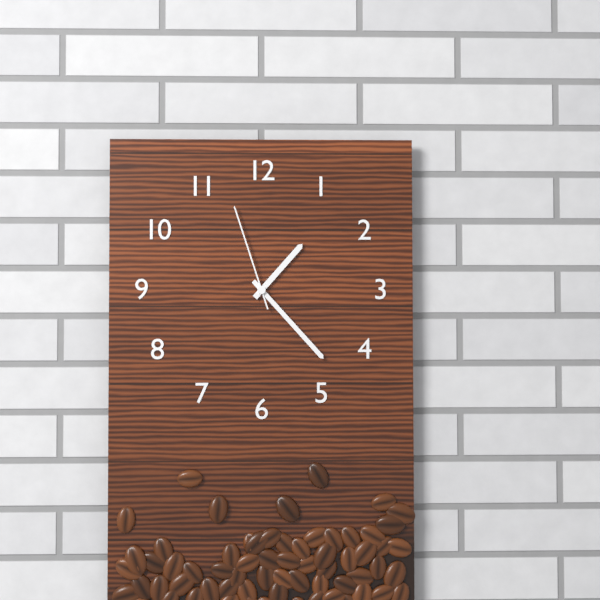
1h23m57s
